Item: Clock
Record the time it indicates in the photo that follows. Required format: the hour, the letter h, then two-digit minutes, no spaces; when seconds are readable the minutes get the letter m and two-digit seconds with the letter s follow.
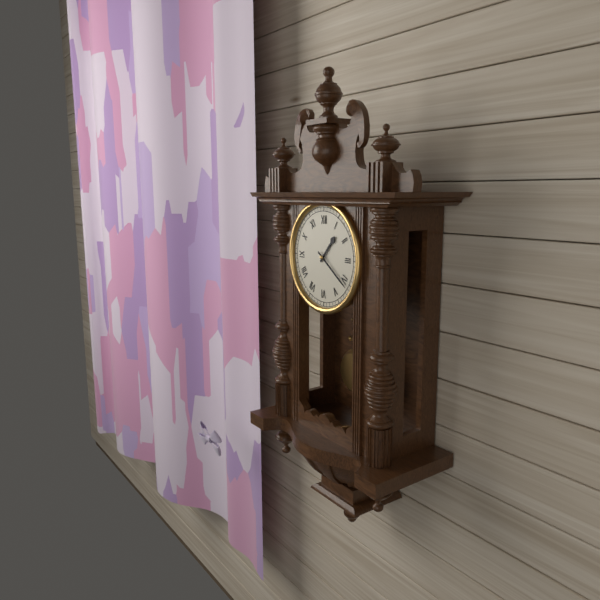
1h21
